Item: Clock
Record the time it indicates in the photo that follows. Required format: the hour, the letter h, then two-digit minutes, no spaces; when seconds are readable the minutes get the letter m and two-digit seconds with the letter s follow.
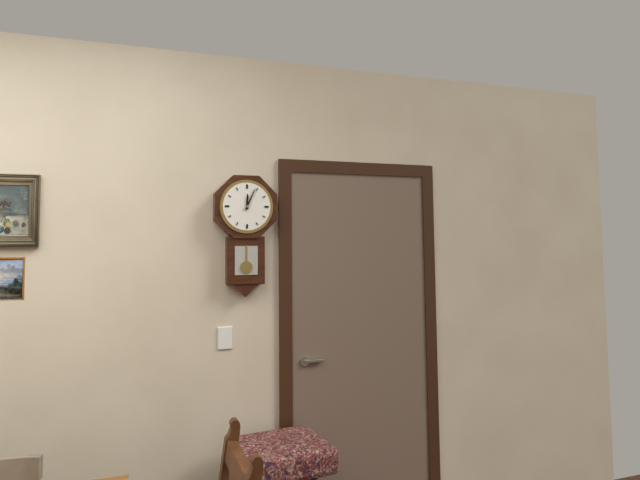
12h04
